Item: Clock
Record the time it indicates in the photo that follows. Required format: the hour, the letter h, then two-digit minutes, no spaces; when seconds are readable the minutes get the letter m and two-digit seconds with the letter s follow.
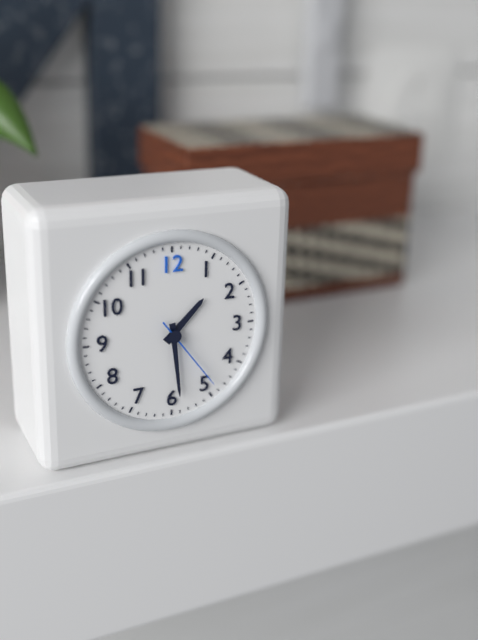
1h29m24s
